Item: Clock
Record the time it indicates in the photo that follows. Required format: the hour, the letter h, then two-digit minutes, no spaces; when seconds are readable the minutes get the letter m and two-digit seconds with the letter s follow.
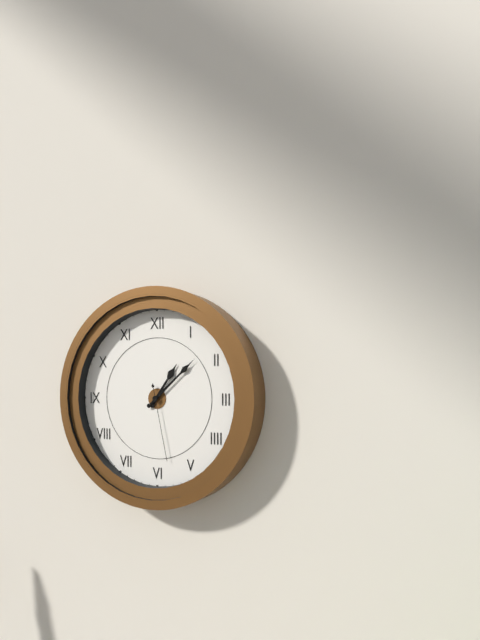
1h08m28s
